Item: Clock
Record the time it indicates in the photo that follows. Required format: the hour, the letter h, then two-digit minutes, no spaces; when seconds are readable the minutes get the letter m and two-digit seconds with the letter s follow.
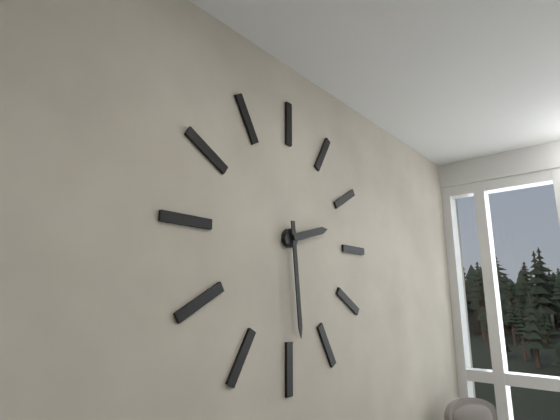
2h29
